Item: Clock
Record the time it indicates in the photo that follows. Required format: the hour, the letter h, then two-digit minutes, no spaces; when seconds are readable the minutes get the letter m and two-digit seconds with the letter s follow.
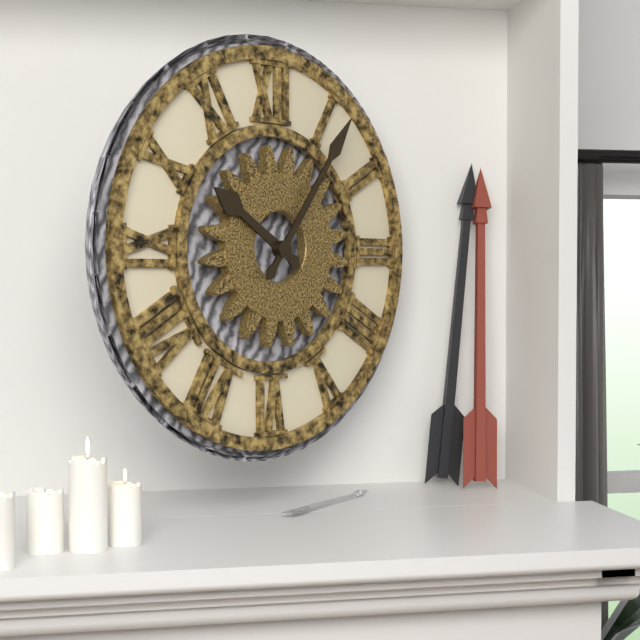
10h06
